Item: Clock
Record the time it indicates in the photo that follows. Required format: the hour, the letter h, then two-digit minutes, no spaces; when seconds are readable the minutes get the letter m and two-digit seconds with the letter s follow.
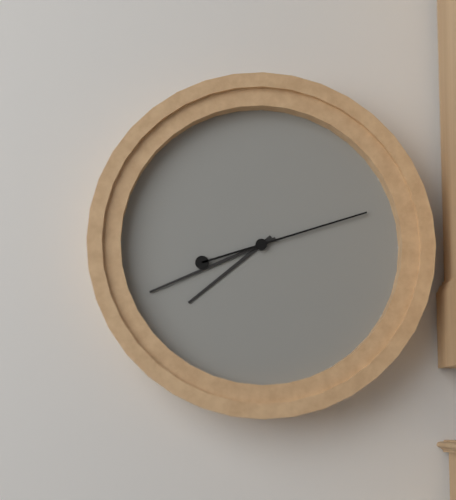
7h41m12s
